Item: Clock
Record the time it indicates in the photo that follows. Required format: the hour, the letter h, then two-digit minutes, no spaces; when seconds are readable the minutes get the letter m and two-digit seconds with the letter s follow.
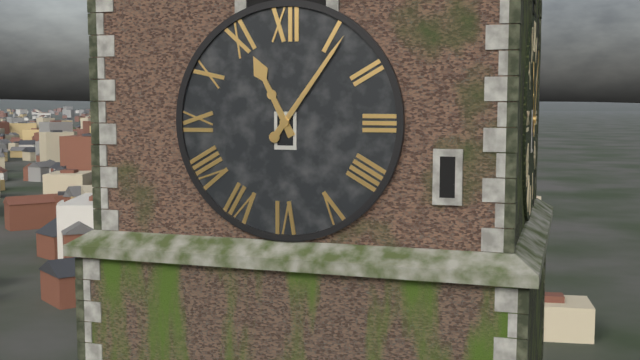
11h06
